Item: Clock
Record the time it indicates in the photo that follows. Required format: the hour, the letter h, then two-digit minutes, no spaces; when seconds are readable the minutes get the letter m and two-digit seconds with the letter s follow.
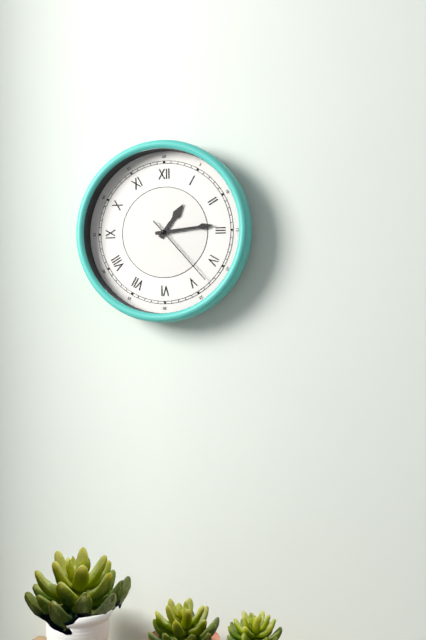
1h14m23s
